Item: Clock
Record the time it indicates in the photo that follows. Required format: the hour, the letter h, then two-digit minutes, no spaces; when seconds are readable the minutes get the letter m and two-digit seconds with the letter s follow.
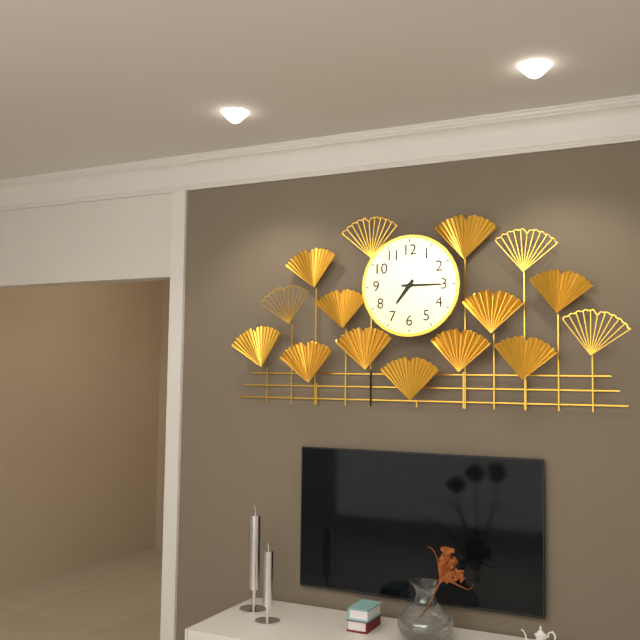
7h15
